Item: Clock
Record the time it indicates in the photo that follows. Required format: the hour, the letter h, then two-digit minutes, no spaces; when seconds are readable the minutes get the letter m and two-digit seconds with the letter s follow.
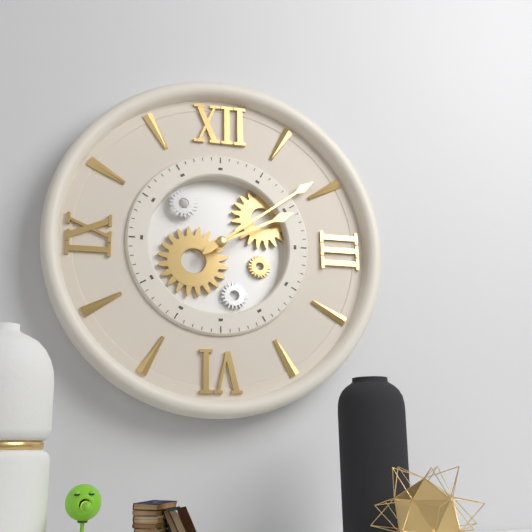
2h09
